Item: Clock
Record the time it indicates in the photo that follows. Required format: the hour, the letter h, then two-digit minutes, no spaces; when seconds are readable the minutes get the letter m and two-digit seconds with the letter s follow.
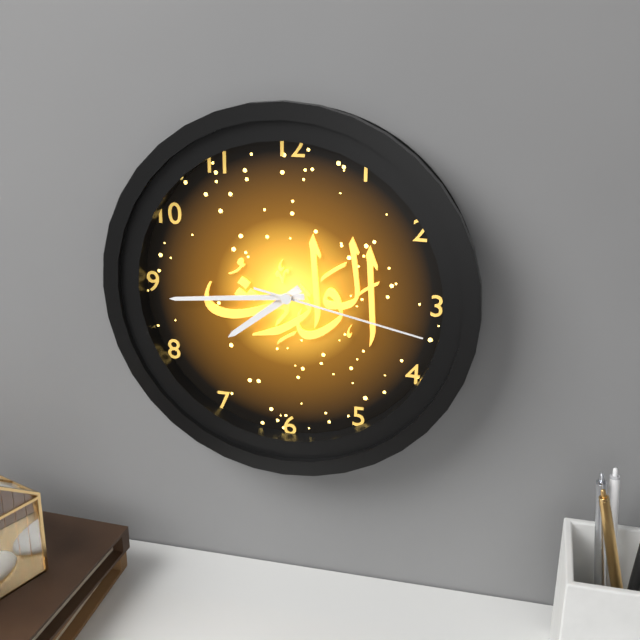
7h44m17s
